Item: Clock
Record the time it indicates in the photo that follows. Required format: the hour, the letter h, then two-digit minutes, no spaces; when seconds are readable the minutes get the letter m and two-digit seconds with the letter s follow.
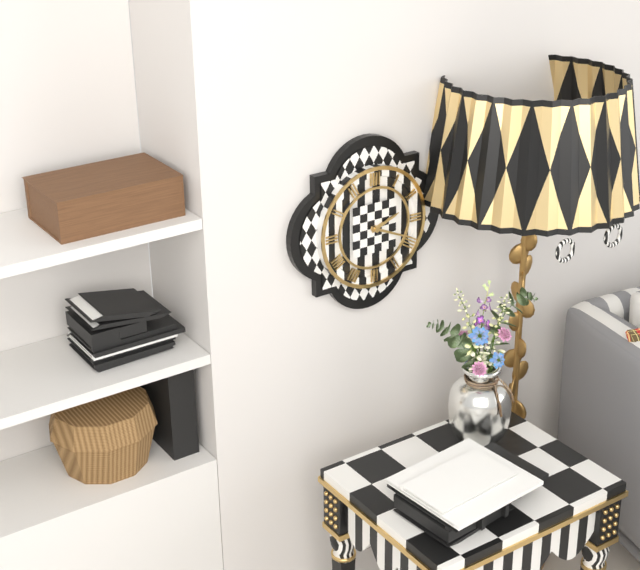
2h19
